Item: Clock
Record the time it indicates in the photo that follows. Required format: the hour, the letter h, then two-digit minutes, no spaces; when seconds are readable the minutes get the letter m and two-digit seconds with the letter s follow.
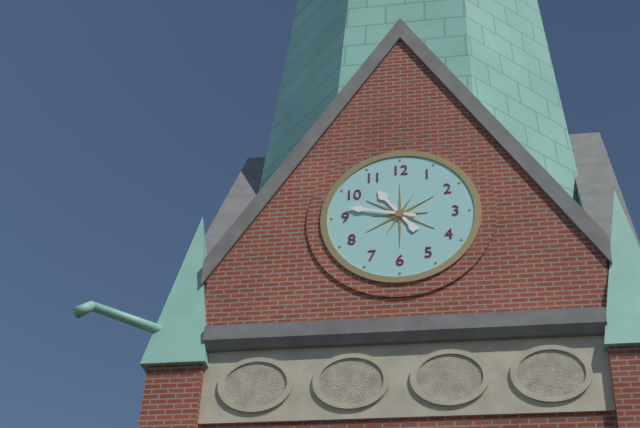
10h47
